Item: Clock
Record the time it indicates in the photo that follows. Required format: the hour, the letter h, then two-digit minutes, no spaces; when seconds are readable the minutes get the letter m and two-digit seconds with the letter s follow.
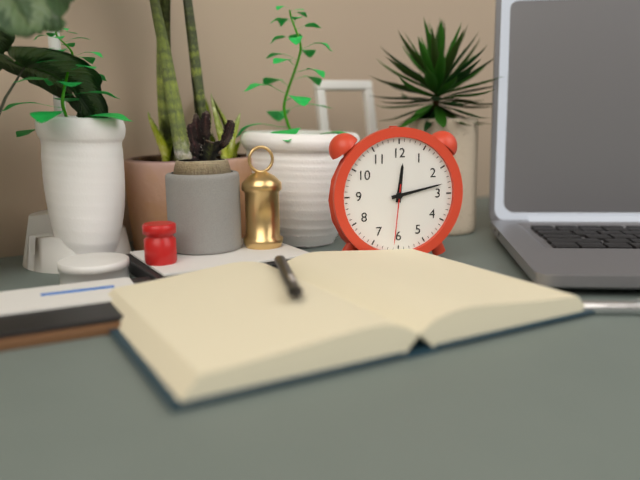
12h13m31s
